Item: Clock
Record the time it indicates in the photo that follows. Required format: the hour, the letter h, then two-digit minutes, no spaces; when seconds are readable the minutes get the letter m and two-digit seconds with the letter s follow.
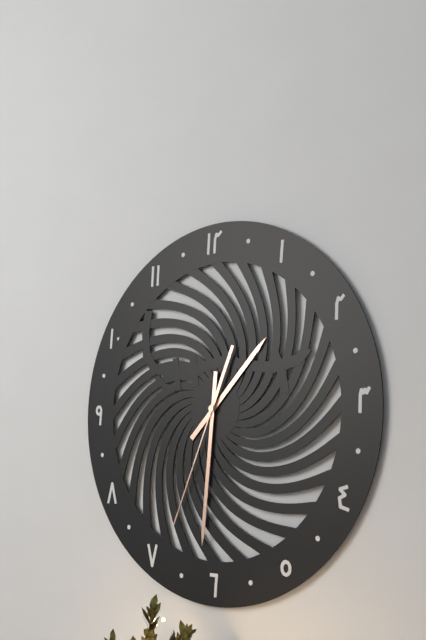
1h31m34s
